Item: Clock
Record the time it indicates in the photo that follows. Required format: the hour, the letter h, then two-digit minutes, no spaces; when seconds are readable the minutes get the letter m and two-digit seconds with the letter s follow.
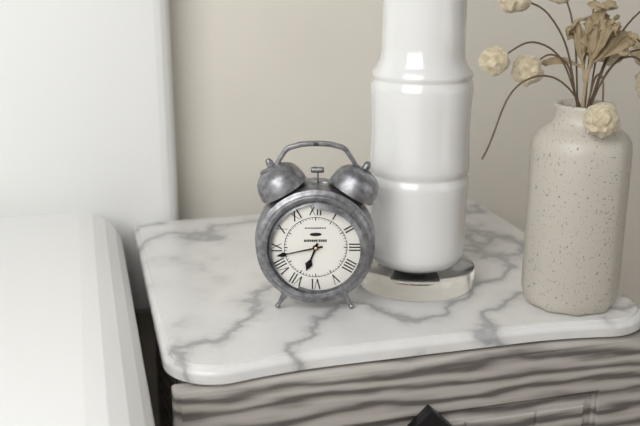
6h43
